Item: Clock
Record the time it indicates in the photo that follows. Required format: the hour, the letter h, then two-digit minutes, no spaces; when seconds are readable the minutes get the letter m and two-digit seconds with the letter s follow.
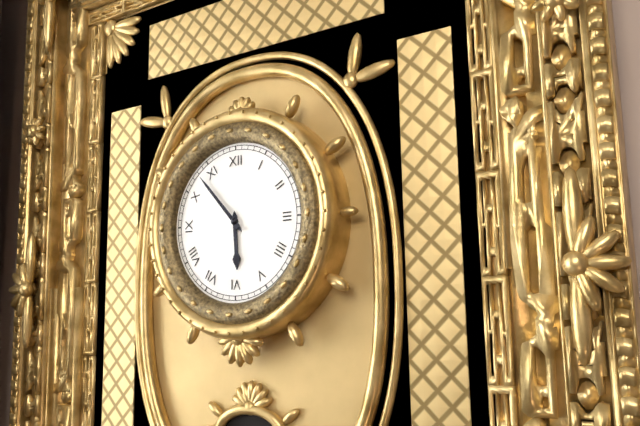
5h53
